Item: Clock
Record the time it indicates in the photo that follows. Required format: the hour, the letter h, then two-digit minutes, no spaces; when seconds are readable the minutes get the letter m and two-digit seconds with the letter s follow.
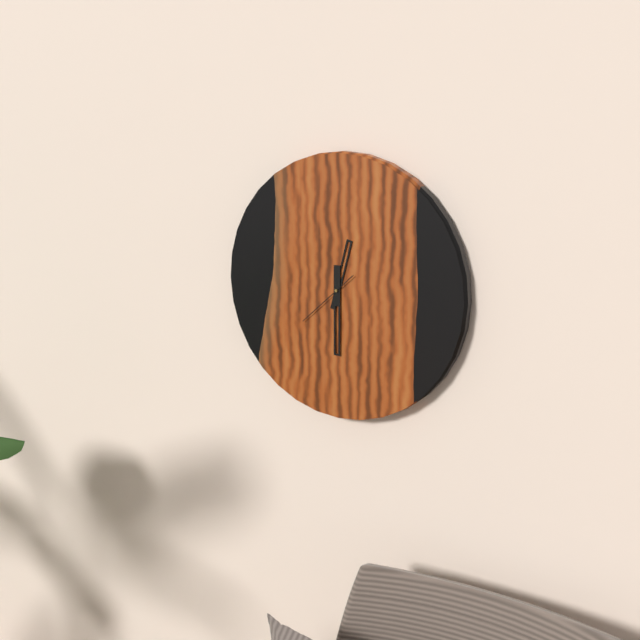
12h30m38s
